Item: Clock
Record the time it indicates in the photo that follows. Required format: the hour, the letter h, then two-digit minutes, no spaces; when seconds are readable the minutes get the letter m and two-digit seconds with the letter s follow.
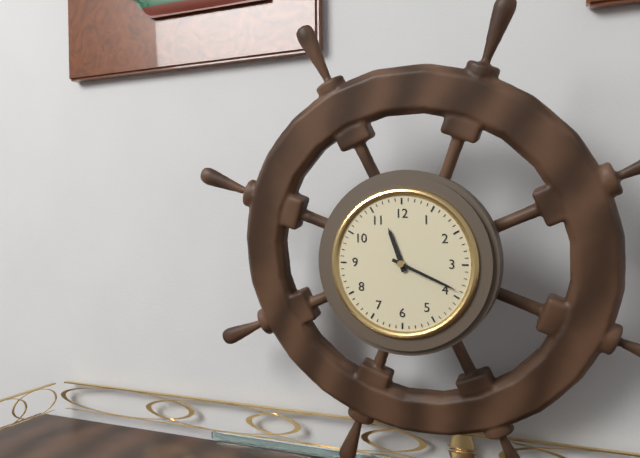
11h19
